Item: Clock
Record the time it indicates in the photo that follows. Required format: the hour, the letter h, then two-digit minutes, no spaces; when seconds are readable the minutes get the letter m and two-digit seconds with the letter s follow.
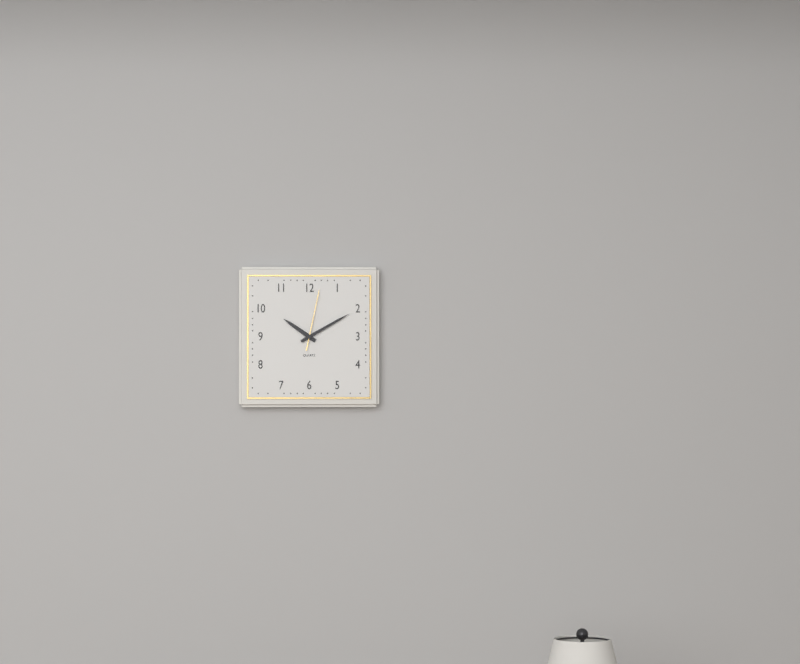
10h10m02s
